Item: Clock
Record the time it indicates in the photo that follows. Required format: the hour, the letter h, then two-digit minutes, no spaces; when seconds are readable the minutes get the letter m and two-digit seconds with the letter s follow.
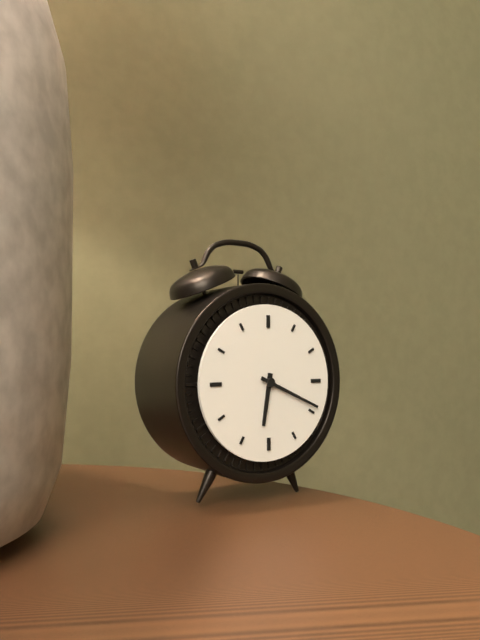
6h19
